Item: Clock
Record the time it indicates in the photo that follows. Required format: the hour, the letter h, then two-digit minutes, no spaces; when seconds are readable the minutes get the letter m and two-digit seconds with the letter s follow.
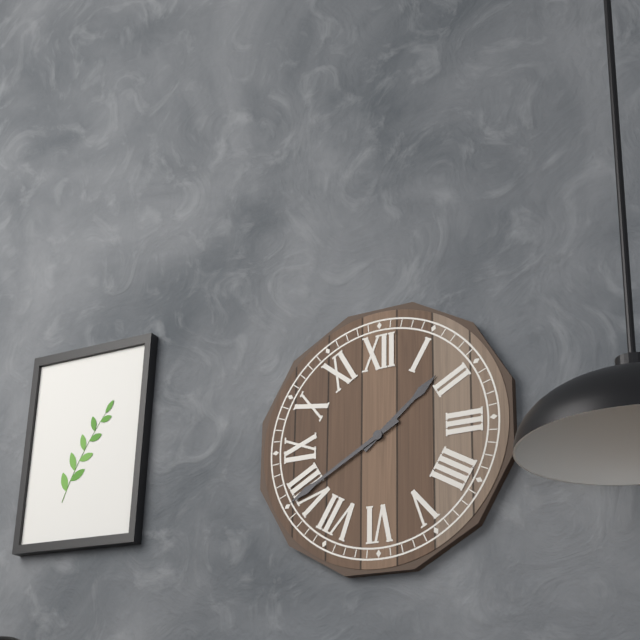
1h40
